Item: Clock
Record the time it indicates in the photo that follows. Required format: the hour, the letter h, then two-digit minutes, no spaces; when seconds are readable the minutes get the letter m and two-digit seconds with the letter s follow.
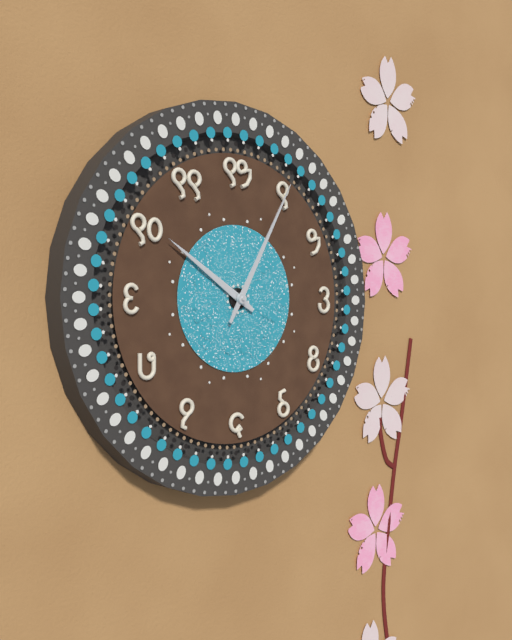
10h05
